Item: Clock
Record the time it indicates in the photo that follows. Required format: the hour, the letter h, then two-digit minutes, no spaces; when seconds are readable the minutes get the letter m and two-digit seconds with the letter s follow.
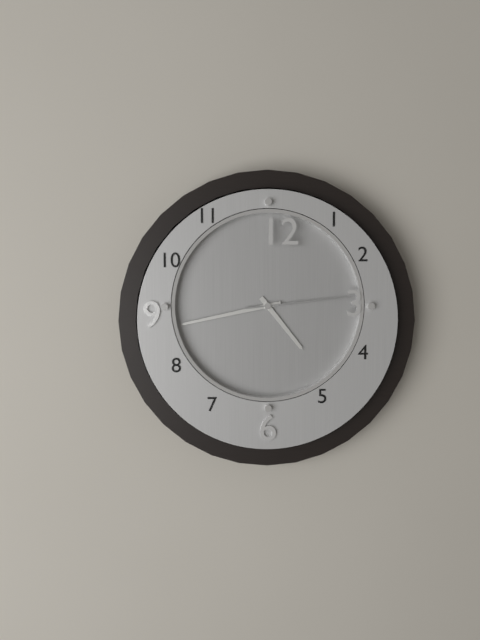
4h43m14s
